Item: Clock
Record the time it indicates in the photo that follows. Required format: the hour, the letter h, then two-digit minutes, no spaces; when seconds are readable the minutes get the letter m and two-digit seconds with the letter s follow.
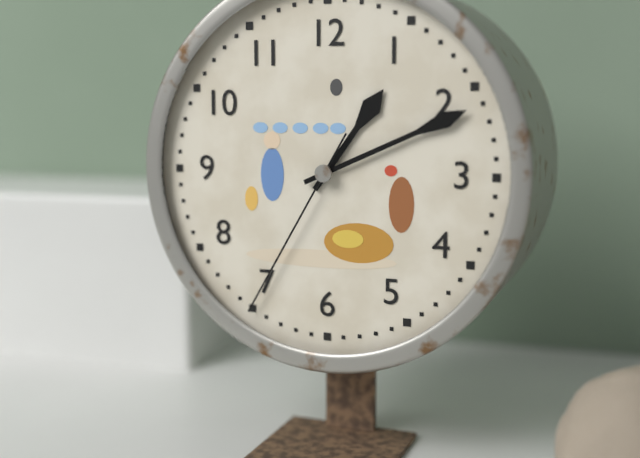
1h11m35s
